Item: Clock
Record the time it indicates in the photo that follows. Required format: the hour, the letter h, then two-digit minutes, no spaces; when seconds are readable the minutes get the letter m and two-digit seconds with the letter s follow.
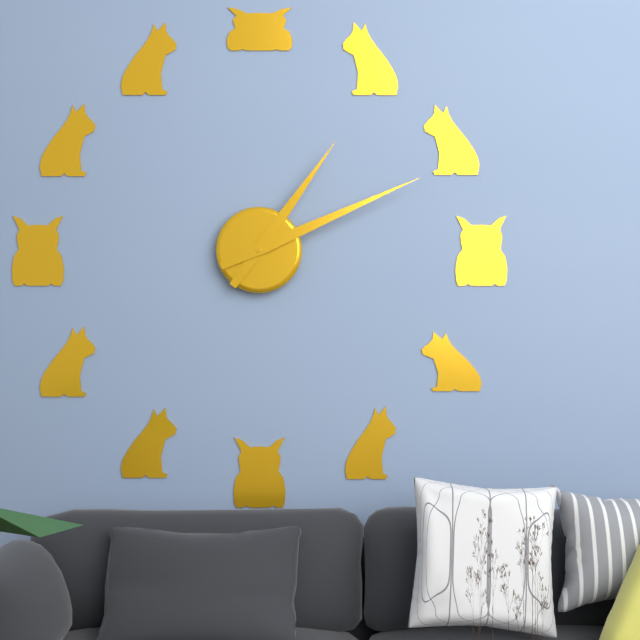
1h11
